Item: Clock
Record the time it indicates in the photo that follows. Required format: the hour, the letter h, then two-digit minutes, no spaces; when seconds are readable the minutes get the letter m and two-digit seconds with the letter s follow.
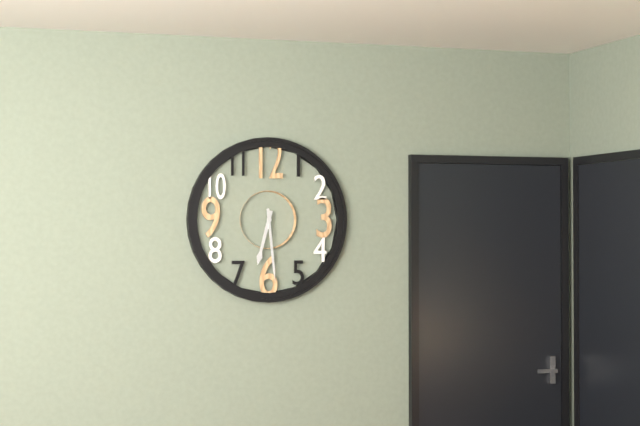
6h29
